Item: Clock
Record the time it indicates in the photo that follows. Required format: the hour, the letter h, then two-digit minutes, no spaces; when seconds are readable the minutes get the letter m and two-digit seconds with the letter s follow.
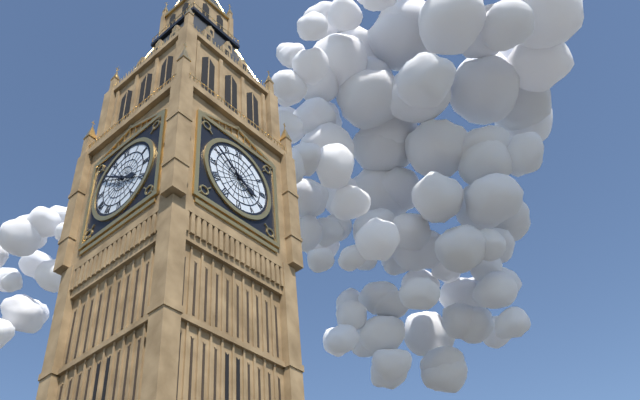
3h51
